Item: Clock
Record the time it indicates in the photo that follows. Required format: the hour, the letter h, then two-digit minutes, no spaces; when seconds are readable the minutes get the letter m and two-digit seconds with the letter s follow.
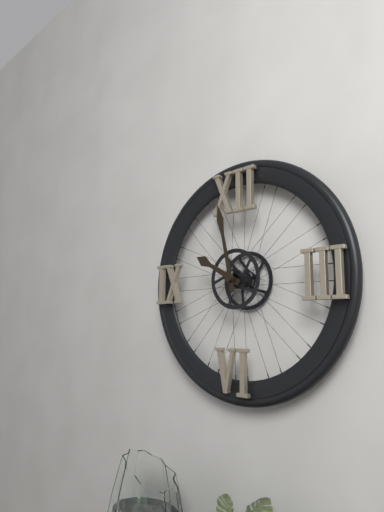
9h58
